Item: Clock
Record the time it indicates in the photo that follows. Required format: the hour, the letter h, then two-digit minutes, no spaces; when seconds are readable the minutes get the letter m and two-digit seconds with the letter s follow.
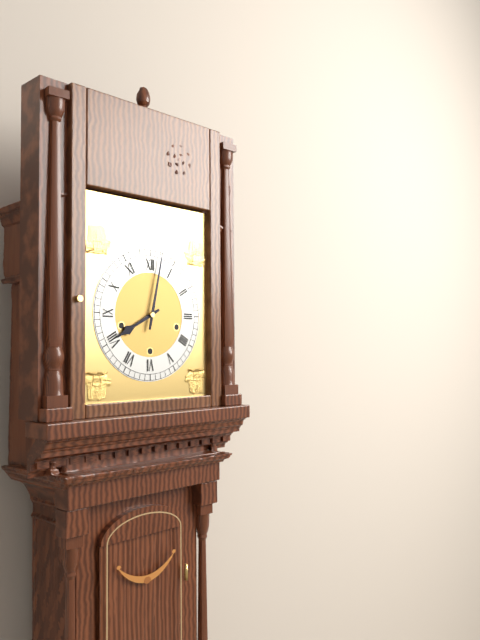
8h02
